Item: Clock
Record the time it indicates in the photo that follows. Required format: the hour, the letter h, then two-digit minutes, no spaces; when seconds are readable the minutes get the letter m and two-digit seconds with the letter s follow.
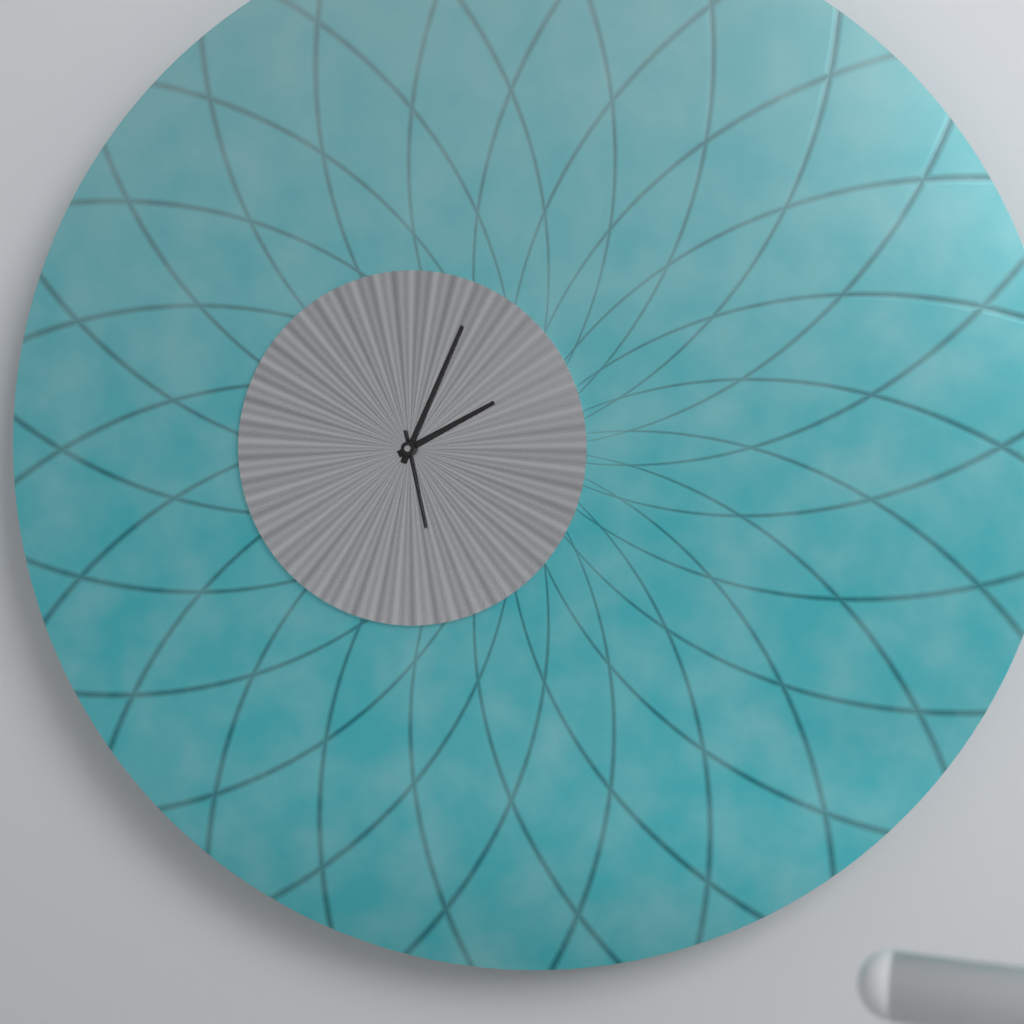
2h04m28s
